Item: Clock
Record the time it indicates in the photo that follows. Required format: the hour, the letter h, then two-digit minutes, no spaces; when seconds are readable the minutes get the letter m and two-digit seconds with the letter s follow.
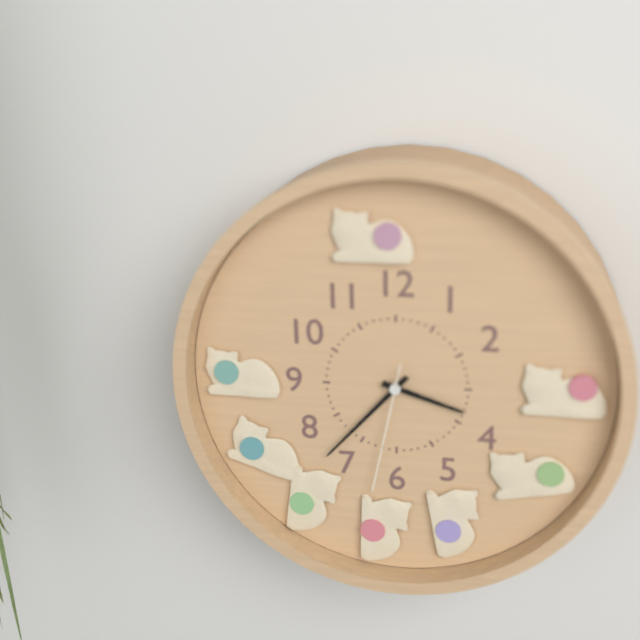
3h37m32s
